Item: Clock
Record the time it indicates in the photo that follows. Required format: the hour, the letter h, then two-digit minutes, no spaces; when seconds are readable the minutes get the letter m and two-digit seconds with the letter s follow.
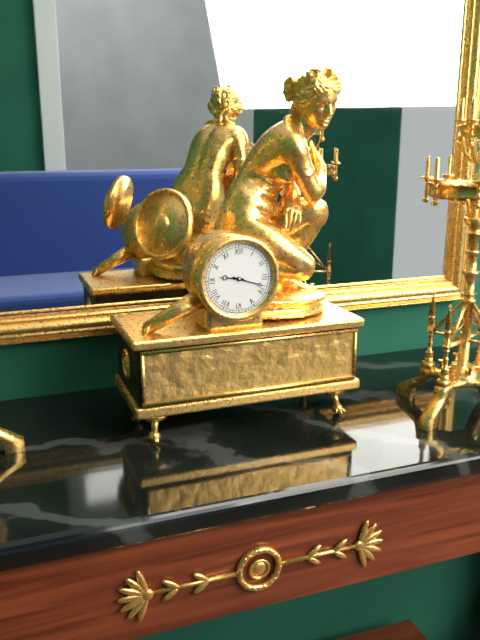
9h18
